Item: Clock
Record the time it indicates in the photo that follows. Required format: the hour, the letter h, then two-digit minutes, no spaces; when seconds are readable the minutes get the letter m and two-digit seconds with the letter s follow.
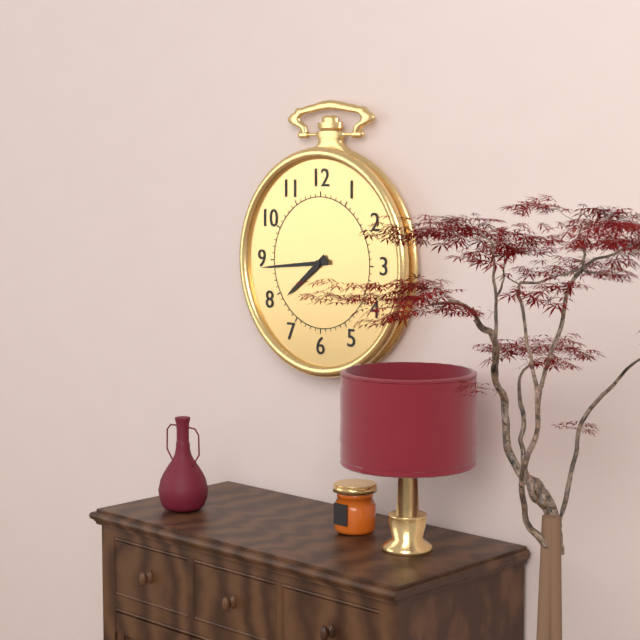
7h44
